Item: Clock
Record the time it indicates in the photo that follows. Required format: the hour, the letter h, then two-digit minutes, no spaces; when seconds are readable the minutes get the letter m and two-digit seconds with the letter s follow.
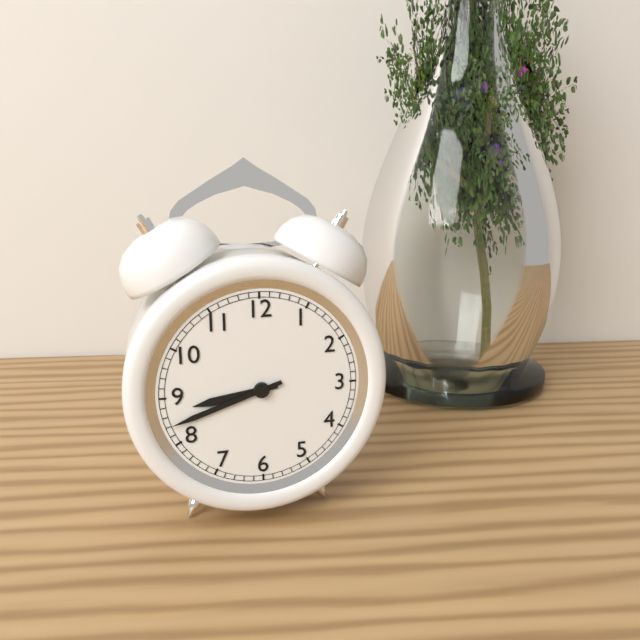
8h42
